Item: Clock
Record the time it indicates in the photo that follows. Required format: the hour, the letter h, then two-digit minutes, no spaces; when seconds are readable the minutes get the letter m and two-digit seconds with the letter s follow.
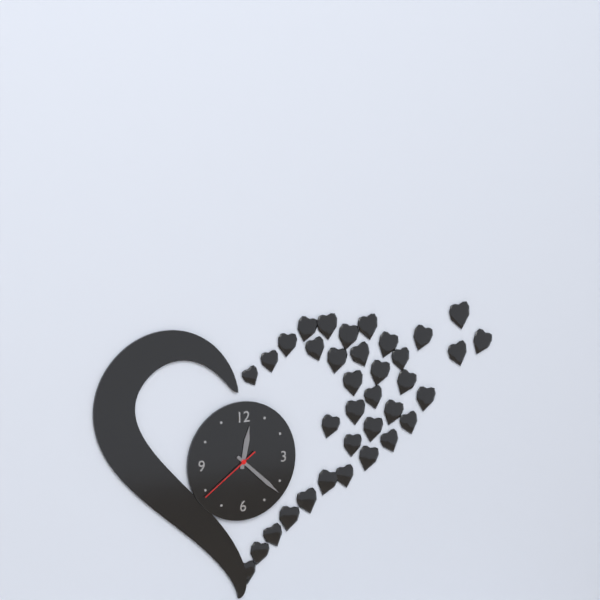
12h22m39s
